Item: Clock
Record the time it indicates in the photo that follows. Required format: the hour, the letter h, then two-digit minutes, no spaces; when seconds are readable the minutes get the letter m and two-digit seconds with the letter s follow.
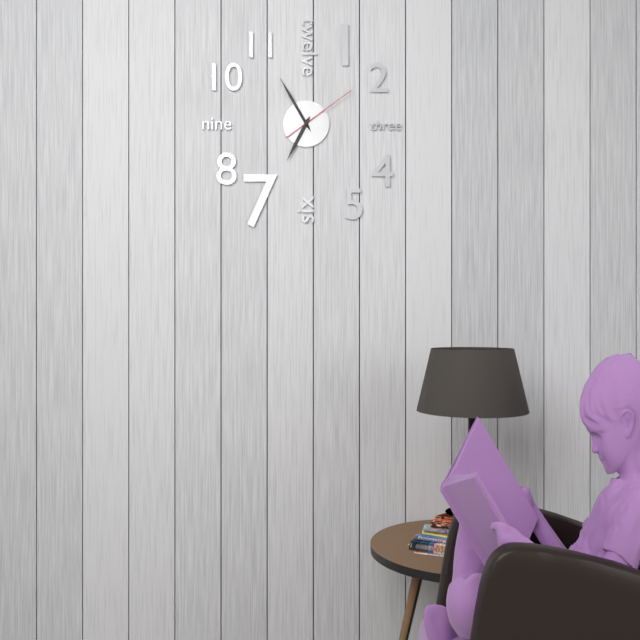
6h55m09s
